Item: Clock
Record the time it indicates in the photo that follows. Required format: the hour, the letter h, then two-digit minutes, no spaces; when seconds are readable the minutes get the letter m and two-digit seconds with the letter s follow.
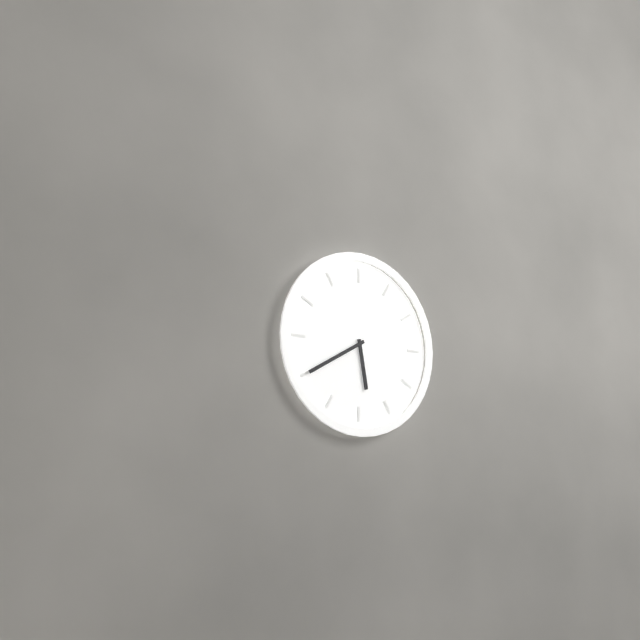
5h40
